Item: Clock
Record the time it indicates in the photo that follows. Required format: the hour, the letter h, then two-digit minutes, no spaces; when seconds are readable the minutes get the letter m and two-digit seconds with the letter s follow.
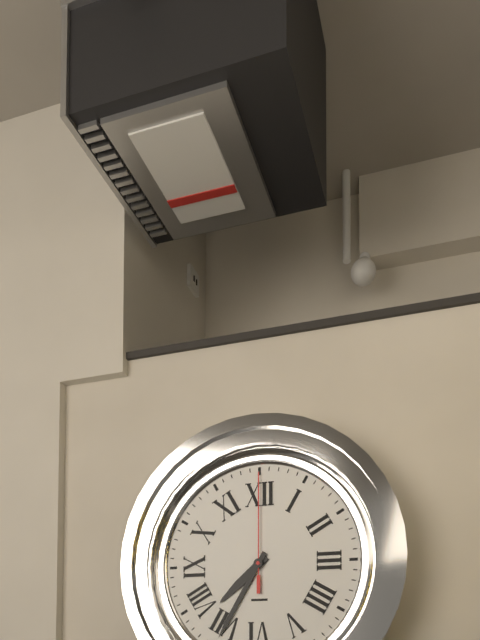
7h35m00s
